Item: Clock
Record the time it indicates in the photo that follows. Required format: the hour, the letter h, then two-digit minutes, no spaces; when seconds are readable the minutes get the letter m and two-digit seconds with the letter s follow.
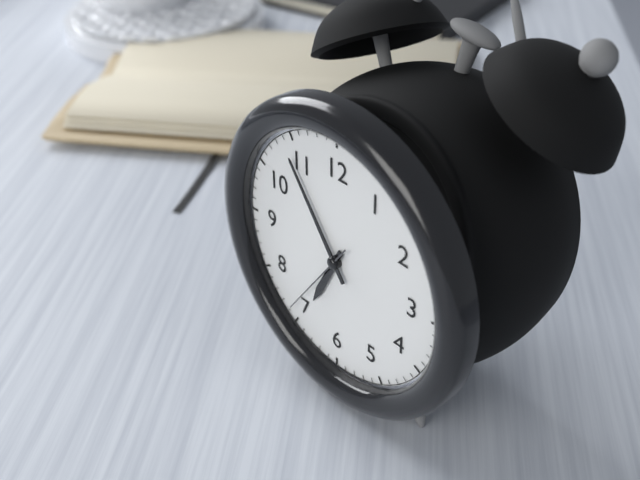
6h54m36s
